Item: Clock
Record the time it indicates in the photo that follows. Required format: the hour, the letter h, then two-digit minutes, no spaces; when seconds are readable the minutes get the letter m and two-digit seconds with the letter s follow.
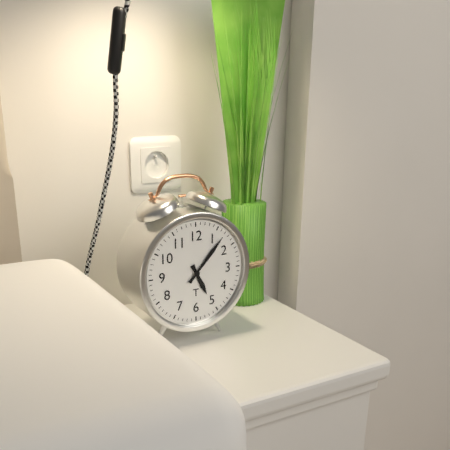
5h07
